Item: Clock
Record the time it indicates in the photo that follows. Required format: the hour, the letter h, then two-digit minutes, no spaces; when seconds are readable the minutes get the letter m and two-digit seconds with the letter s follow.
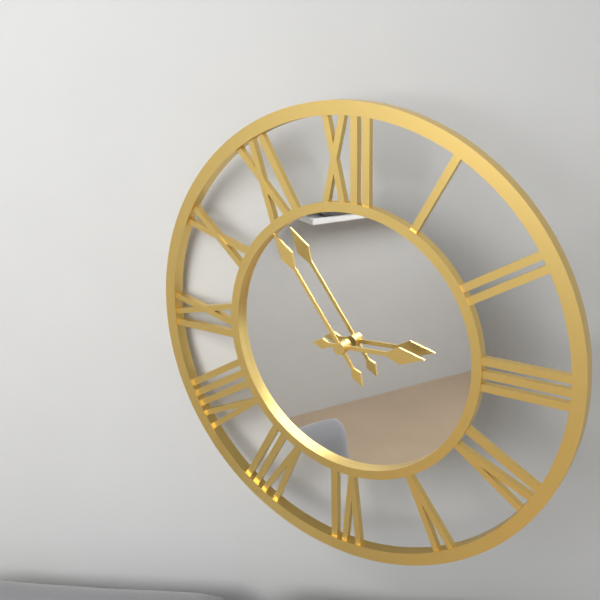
2h54
